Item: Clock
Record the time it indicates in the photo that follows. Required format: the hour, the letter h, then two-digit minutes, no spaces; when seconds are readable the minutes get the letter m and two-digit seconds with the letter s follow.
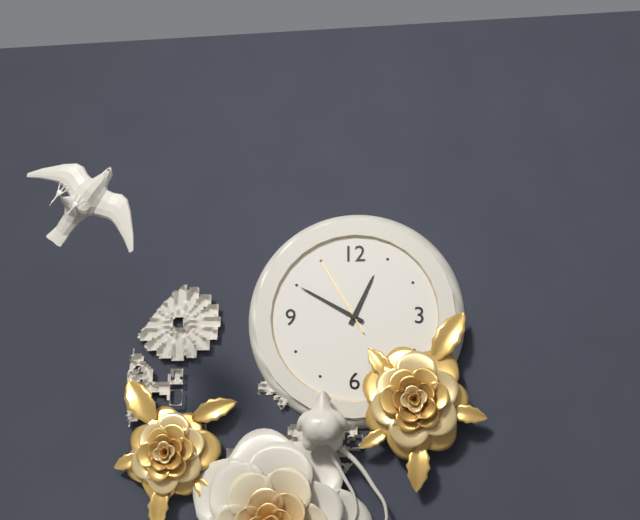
12h50m55s
